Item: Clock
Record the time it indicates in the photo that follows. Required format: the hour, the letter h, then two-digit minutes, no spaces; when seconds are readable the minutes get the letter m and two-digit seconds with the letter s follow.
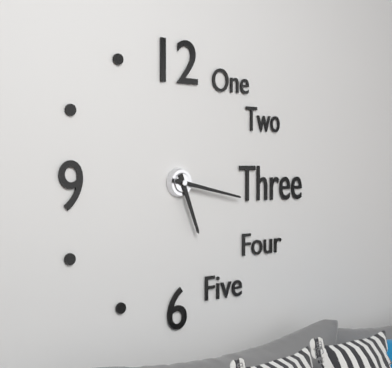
5h17
